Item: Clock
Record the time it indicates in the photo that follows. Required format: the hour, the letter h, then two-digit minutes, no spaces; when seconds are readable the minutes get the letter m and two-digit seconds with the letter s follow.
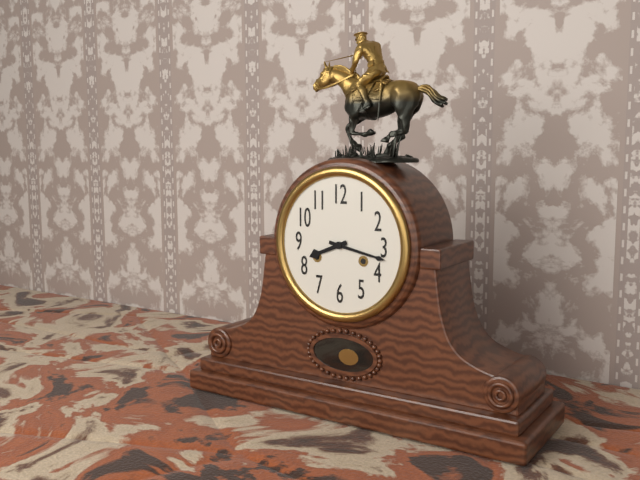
8h17
